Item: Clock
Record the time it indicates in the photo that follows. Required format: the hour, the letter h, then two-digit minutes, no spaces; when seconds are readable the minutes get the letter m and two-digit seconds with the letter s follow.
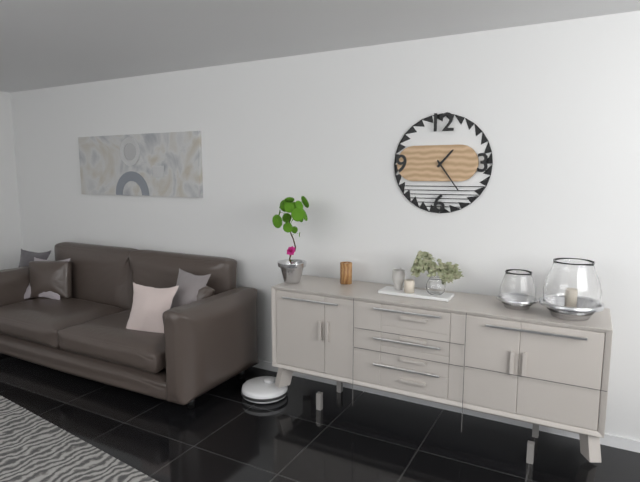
1h24
